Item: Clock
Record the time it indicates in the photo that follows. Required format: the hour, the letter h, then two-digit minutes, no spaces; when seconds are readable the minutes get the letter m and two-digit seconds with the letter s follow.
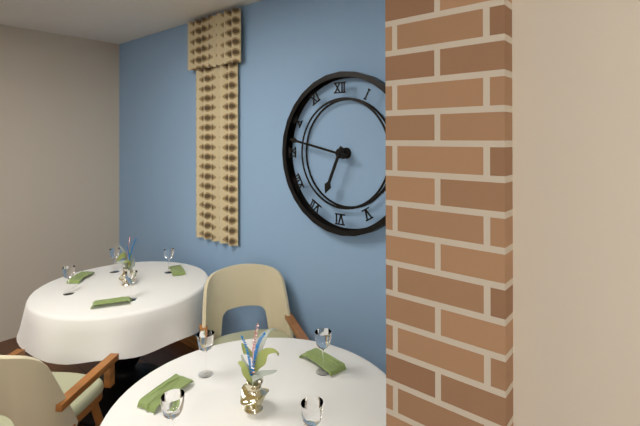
6h47
